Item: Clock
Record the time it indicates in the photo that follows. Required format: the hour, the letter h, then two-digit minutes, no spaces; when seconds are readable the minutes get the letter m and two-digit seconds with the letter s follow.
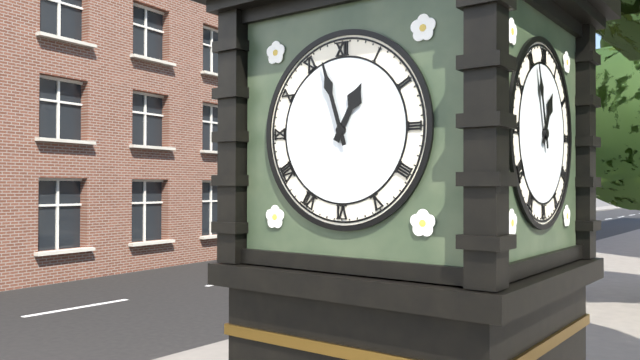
12h57
